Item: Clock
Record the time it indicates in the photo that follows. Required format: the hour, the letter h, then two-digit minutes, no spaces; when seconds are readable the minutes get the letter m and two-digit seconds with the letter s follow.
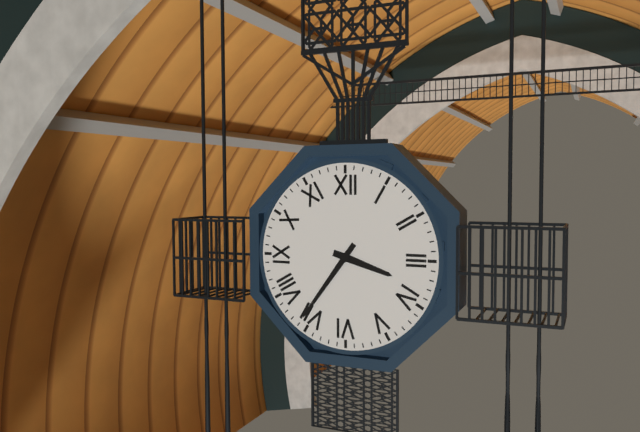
3h36
